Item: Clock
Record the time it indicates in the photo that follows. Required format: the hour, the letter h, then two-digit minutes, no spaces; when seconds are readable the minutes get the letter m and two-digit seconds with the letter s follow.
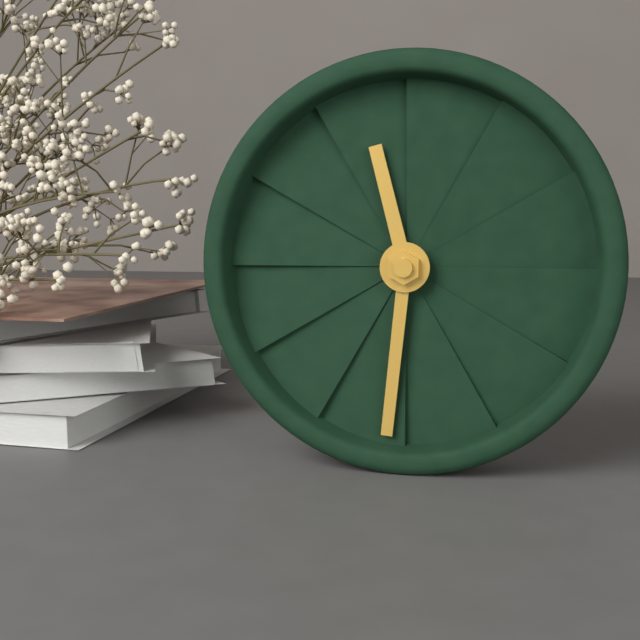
11h31
